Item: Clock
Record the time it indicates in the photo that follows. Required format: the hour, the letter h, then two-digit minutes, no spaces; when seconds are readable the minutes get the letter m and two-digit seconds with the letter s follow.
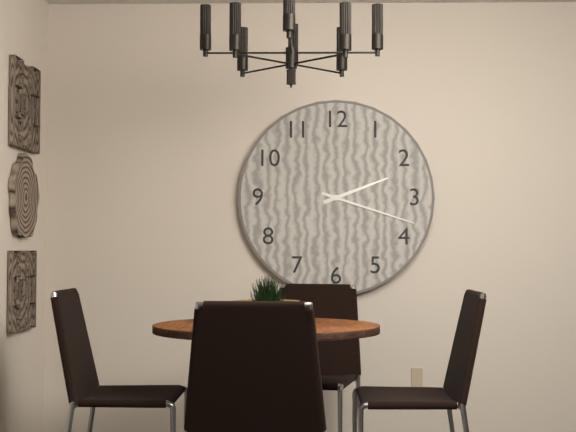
2h18
